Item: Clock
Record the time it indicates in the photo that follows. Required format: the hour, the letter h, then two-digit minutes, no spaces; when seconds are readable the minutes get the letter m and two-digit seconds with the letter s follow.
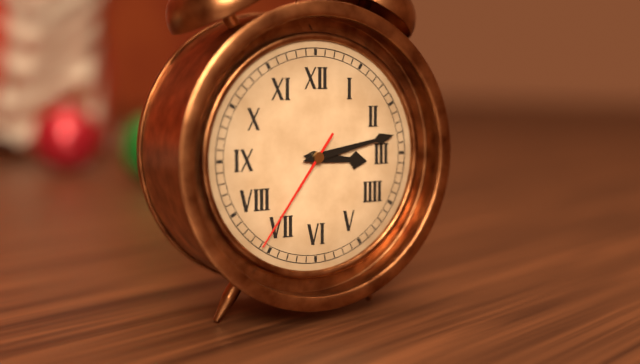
3h13m36s
